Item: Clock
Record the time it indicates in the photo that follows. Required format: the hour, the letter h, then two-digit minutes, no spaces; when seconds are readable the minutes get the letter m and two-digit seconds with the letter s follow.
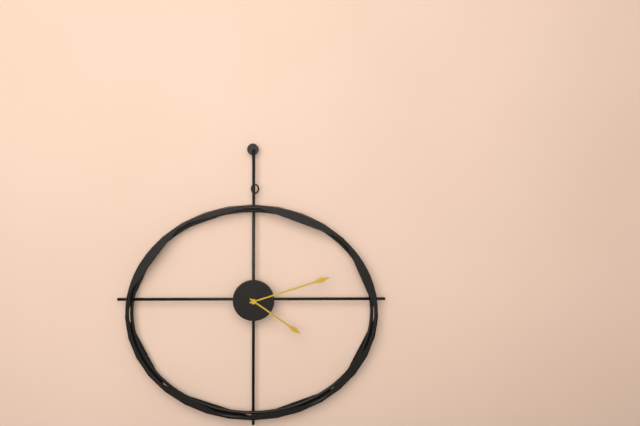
4h12
